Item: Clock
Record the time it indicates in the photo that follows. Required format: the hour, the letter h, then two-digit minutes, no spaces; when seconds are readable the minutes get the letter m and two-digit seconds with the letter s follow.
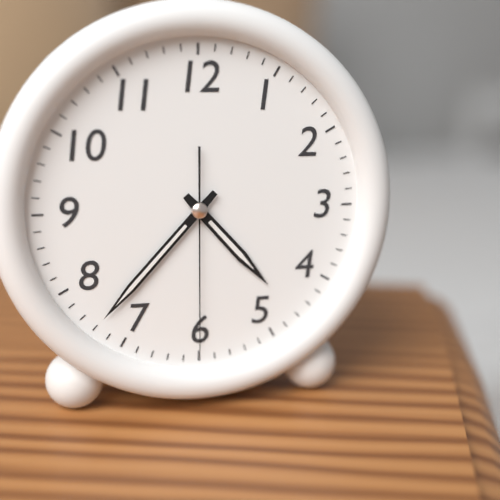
4h37m30s
